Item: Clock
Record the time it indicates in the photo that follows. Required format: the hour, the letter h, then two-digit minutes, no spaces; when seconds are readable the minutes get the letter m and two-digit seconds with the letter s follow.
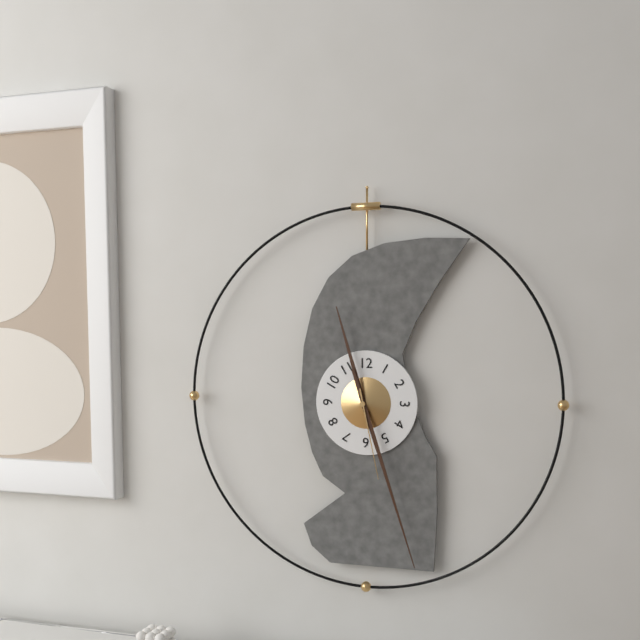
11h27m28s
